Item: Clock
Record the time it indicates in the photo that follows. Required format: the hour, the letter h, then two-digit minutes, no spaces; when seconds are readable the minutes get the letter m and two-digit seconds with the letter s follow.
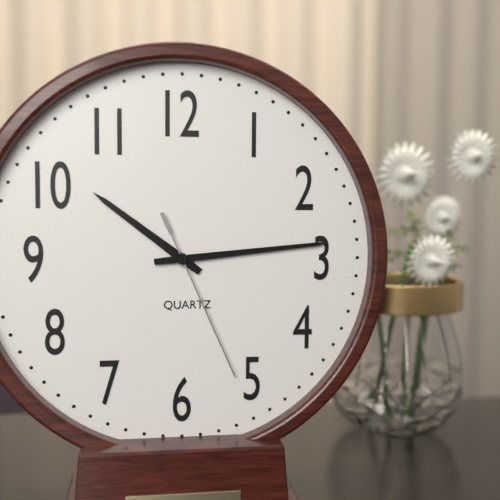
10h14m26s
